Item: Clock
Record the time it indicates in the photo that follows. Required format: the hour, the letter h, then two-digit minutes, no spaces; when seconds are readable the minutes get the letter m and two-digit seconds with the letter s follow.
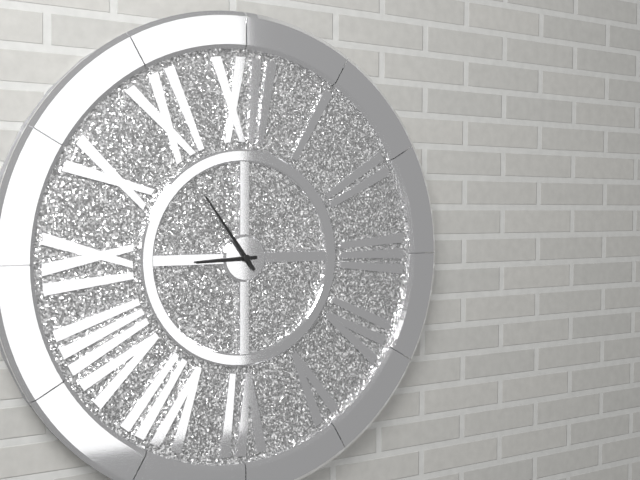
8h54
